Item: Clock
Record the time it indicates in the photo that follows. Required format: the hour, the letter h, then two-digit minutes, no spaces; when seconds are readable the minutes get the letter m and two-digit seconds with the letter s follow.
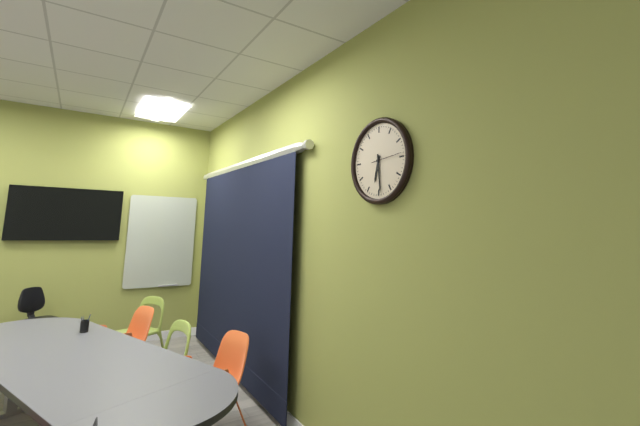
6h29
